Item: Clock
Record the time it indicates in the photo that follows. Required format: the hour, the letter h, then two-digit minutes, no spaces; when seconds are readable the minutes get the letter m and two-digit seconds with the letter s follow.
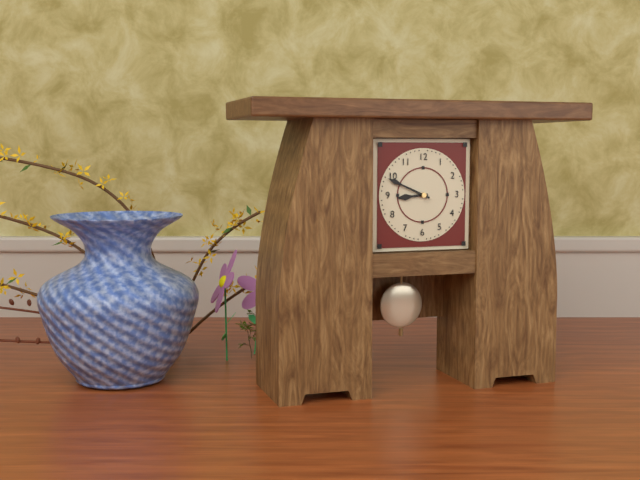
8h49
